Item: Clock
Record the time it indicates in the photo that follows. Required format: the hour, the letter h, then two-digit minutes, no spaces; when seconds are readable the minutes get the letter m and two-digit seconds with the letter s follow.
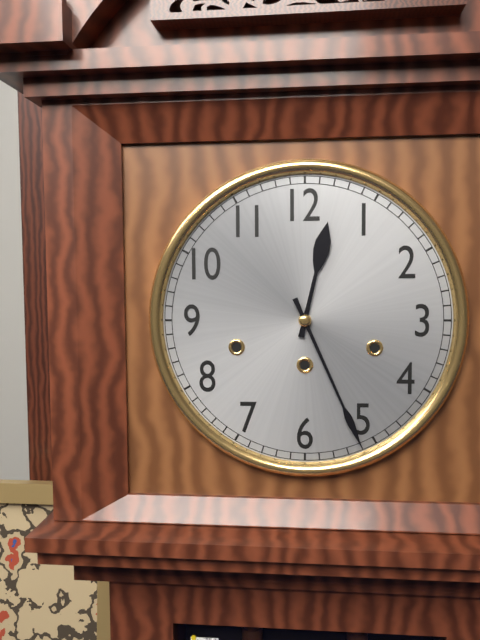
12h26
